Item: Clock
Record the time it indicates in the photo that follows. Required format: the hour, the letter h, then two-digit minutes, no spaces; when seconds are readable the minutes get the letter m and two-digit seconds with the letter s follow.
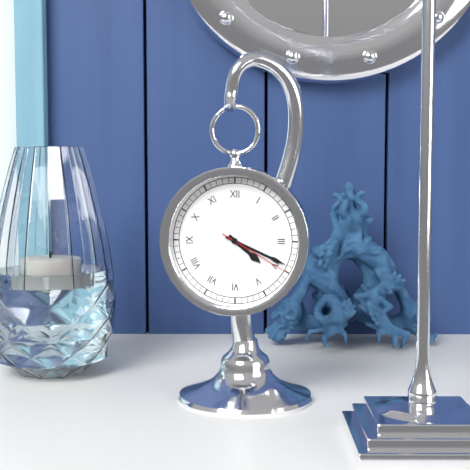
4h19m20s
